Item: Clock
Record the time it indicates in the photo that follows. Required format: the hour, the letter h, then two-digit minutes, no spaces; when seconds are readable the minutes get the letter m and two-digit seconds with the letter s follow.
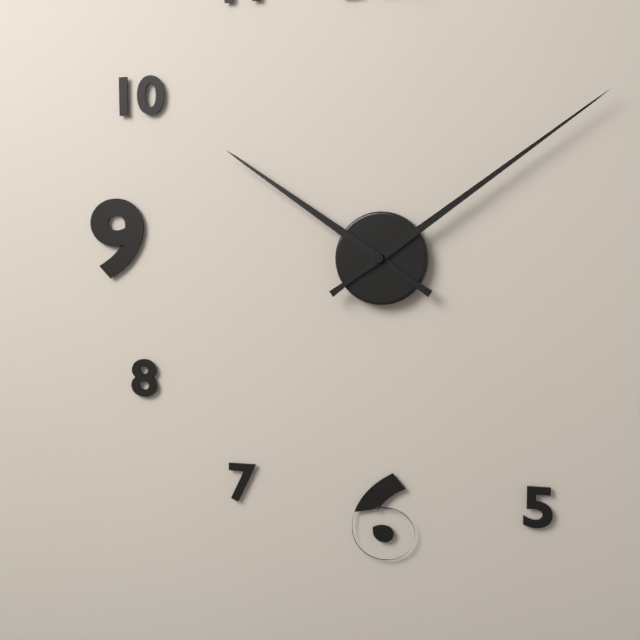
10h09
